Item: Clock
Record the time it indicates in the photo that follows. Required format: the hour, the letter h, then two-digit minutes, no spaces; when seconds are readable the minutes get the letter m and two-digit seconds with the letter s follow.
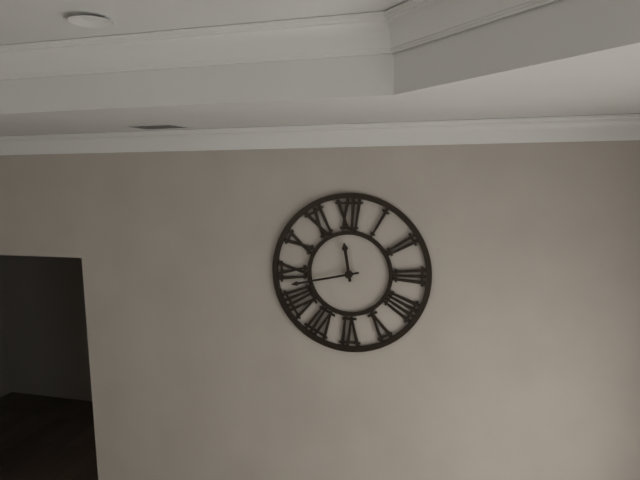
11h43
